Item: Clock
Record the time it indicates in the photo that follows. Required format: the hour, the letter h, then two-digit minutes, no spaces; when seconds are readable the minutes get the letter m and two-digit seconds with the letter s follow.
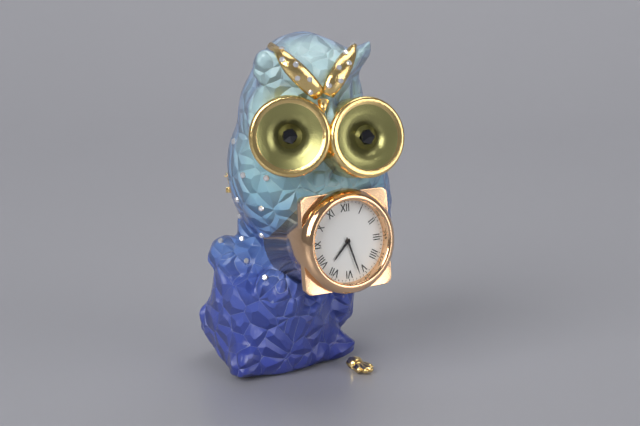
7h27
